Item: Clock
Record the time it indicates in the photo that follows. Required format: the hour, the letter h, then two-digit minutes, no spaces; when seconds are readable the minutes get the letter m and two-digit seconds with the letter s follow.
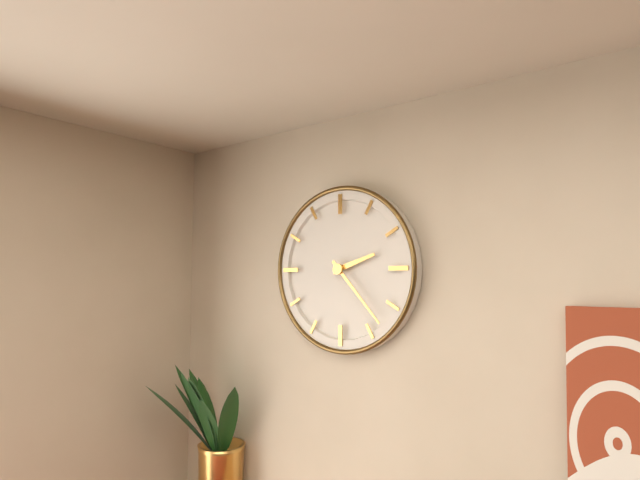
2h23
